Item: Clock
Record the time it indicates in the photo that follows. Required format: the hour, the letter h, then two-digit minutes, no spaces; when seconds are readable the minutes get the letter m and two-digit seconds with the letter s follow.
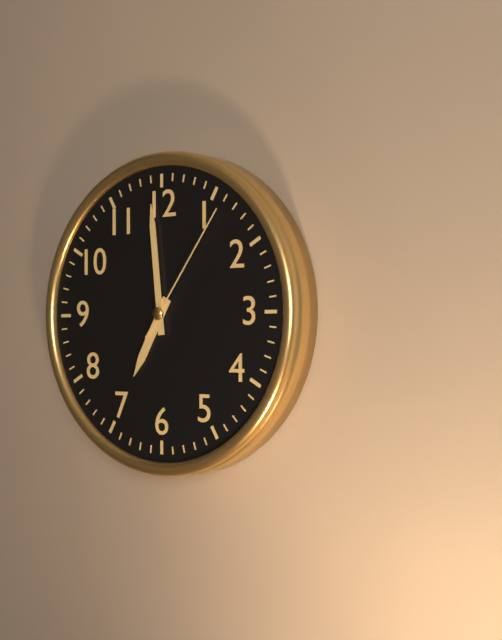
6h59m06s
